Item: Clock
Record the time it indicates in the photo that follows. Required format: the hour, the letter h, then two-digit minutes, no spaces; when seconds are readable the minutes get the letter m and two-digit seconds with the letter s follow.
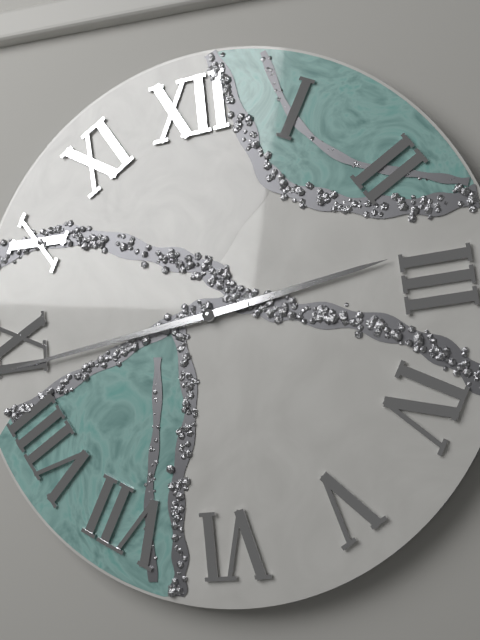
2h44
